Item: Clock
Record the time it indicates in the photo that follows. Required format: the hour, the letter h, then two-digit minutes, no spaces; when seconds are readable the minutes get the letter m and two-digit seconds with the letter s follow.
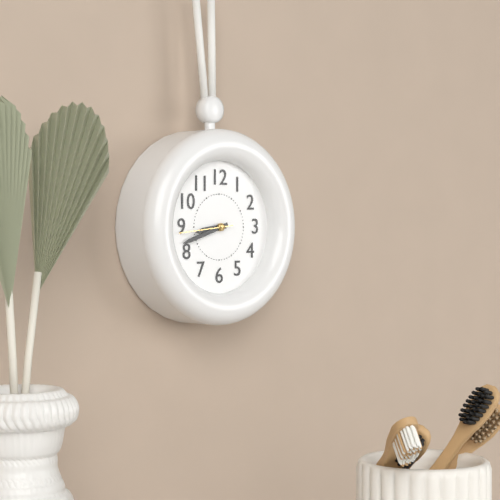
8h42m44s
